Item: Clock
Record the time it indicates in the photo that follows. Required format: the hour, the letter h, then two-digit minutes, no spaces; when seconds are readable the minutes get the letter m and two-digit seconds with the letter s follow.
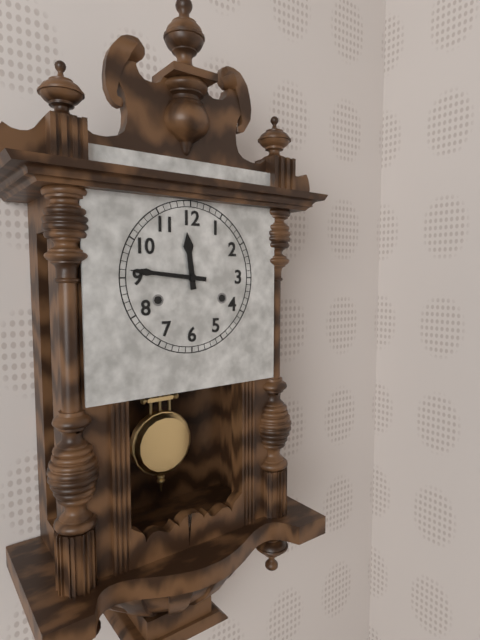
11h46
